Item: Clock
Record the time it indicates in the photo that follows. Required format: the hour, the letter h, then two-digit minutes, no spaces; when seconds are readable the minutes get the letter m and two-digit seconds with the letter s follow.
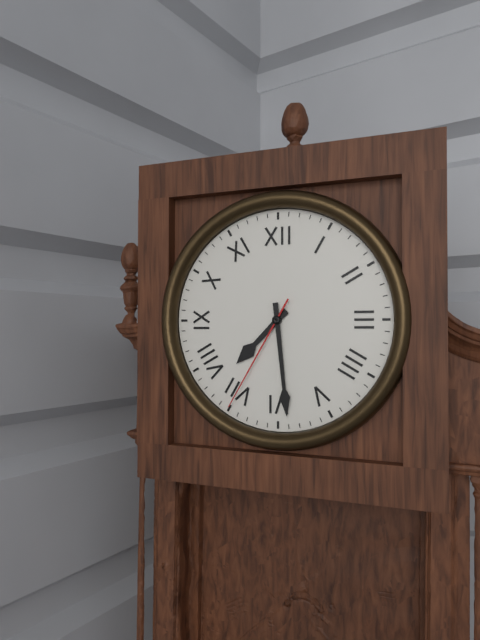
7h29m35s
